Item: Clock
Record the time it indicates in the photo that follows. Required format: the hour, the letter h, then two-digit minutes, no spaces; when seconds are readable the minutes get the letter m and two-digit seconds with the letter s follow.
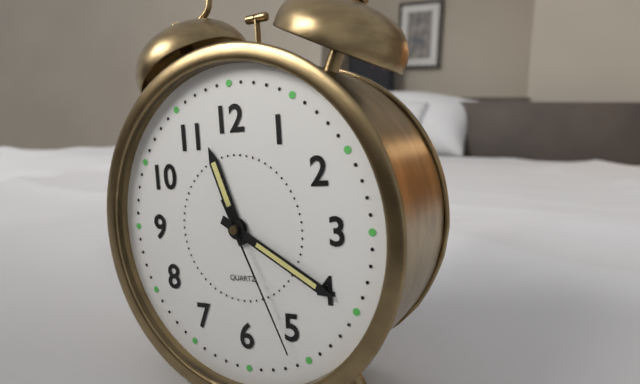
11h20m26s
